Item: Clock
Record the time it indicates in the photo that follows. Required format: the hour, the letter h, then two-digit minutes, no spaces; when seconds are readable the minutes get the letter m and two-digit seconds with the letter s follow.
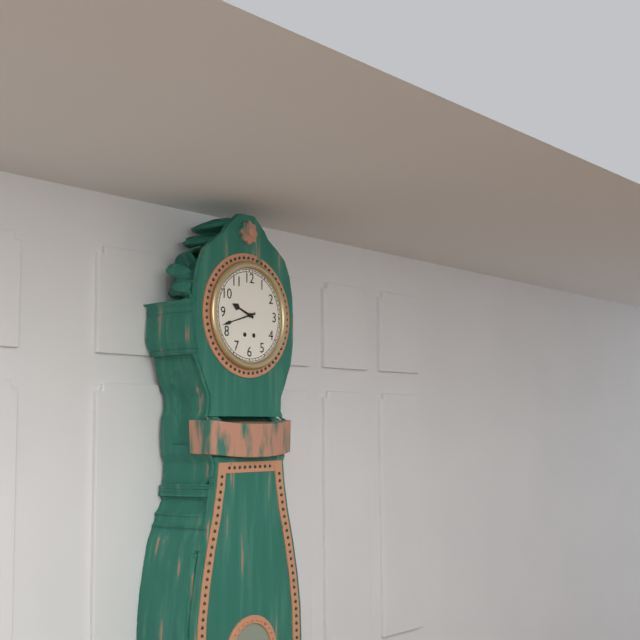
9h42
